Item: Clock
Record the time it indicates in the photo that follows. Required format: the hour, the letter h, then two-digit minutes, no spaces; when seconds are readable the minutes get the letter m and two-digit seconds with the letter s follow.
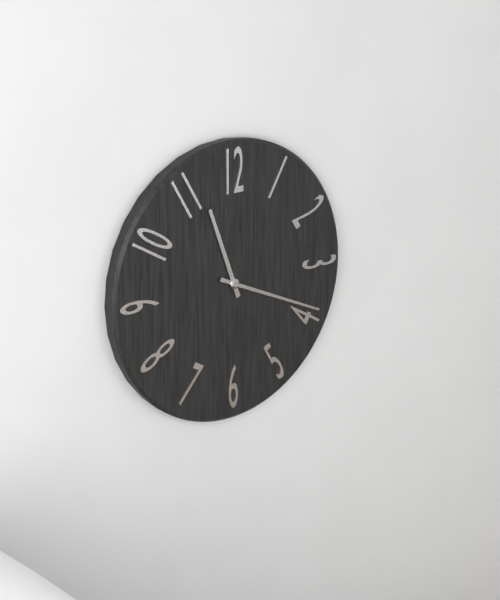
11h19
